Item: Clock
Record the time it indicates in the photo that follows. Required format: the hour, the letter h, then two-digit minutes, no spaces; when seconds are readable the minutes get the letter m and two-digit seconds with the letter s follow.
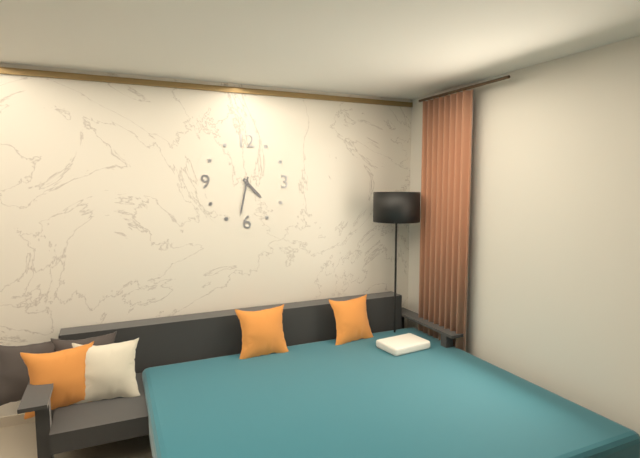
4h32
